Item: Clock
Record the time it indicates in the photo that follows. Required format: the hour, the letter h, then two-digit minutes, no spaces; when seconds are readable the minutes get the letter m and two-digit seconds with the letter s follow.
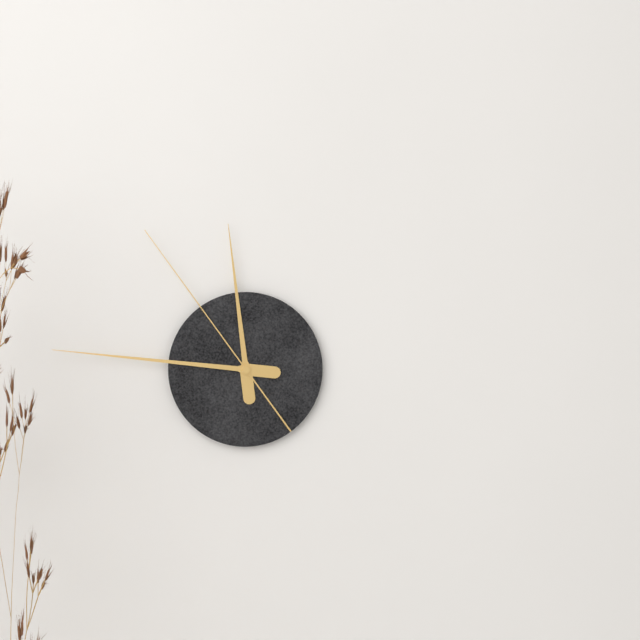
11h46m54s
